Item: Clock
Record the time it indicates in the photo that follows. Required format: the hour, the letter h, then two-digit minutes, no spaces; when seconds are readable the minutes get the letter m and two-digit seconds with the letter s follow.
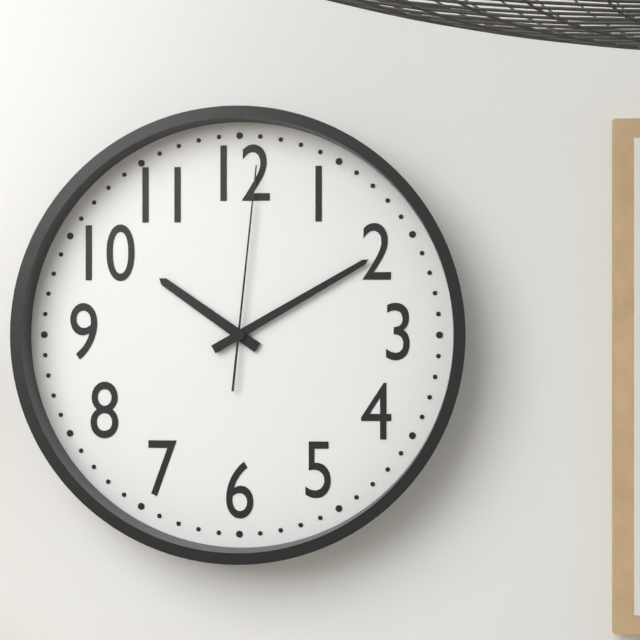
10h10m01s
